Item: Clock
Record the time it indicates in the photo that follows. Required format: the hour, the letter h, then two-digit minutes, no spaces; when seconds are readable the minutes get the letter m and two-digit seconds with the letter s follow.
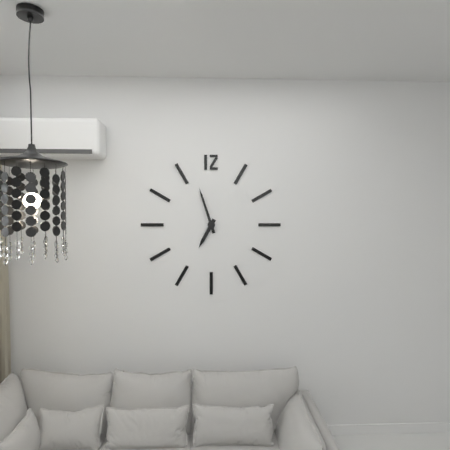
6h57
